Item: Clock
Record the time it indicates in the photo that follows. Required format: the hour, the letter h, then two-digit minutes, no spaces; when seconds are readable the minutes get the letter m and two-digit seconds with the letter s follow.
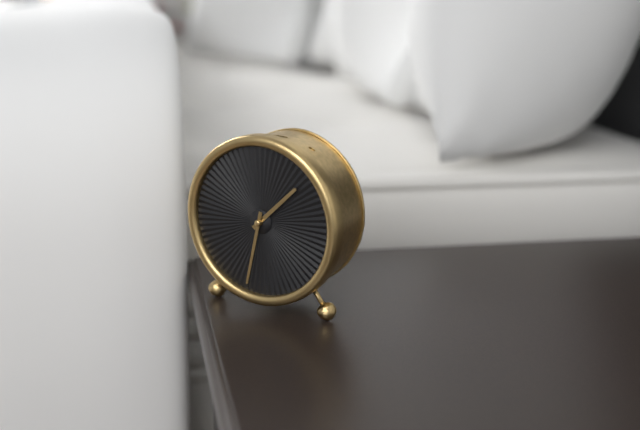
1h32
